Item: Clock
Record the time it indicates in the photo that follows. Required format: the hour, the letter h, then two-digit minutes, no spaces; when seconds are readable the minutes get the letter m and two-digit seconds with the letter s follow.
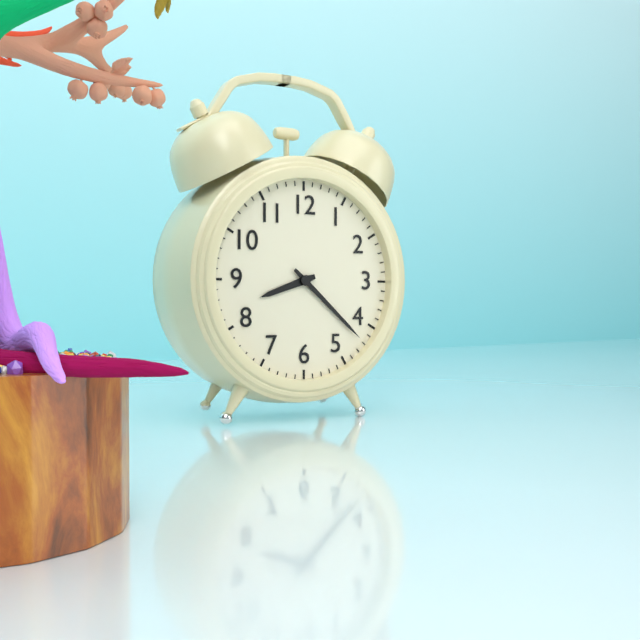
8h22
